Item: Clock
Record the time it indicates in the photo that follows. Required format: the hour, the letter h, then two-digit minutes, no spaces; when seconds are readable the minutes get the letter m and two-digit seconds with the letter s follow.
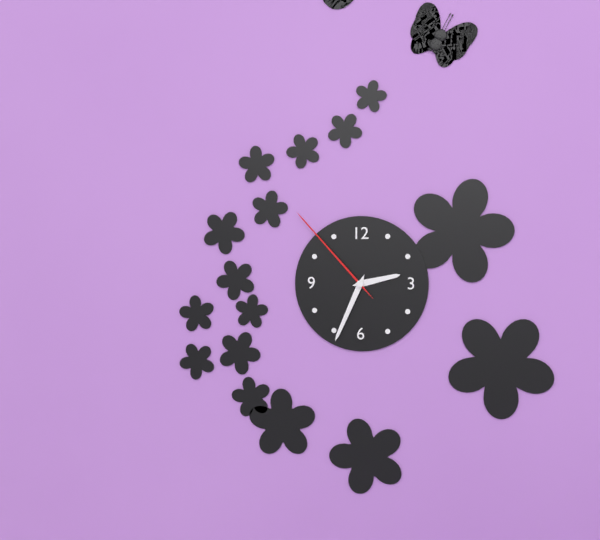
2h34m53s
